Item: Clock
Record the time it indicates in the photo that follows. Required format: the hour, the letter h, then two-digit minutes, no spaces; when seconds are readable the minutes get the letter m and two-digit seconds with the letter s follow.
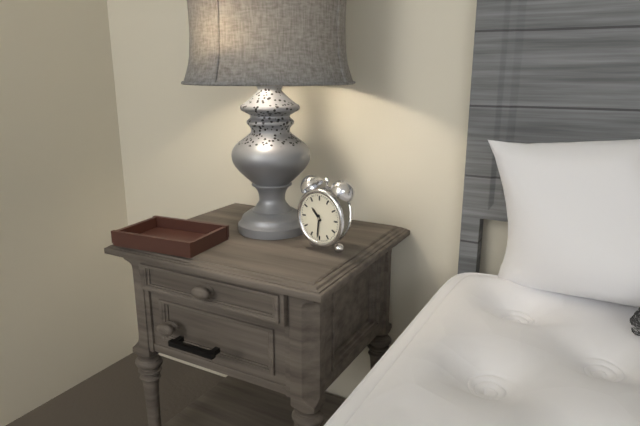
10h31
